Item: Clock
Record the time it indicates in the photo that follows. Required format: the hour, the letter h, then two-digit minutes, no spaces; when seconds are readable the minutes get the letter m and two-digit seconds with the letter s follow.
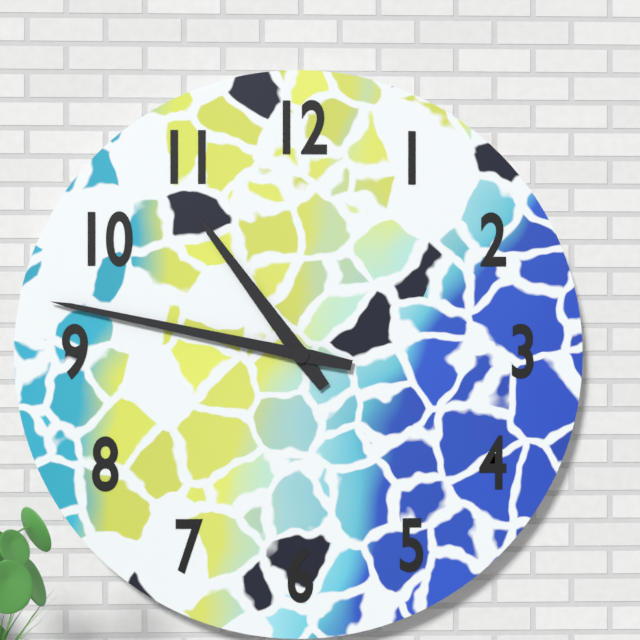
10h47
